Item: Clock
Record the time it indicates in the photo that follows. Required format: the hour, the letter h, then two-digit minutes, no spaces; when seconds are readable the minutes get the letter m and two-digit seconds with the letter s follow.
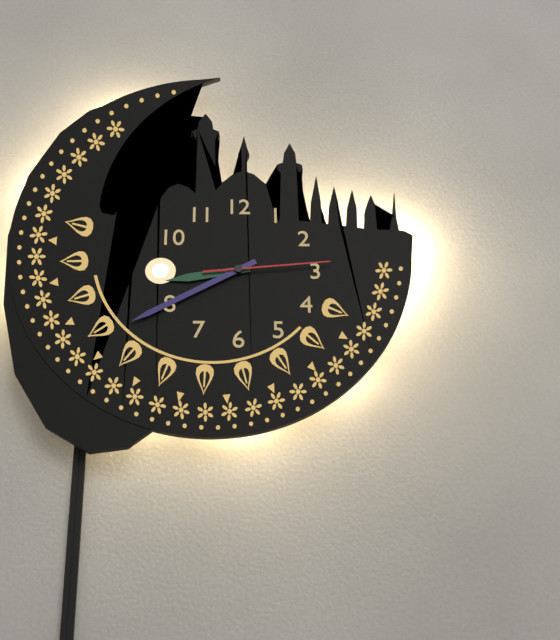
8h40m14s
